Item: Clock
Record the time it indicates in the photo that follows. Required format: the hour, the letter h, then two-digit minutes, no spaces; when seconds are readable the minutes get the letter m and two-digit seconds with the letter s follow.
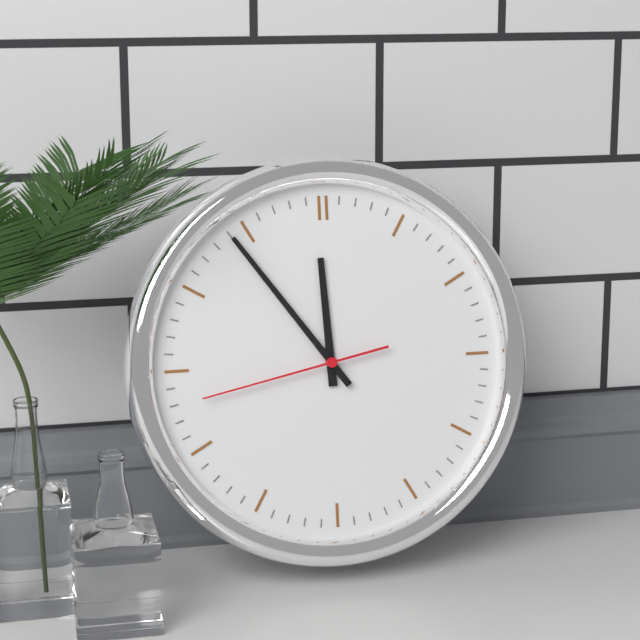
11h54m43s
